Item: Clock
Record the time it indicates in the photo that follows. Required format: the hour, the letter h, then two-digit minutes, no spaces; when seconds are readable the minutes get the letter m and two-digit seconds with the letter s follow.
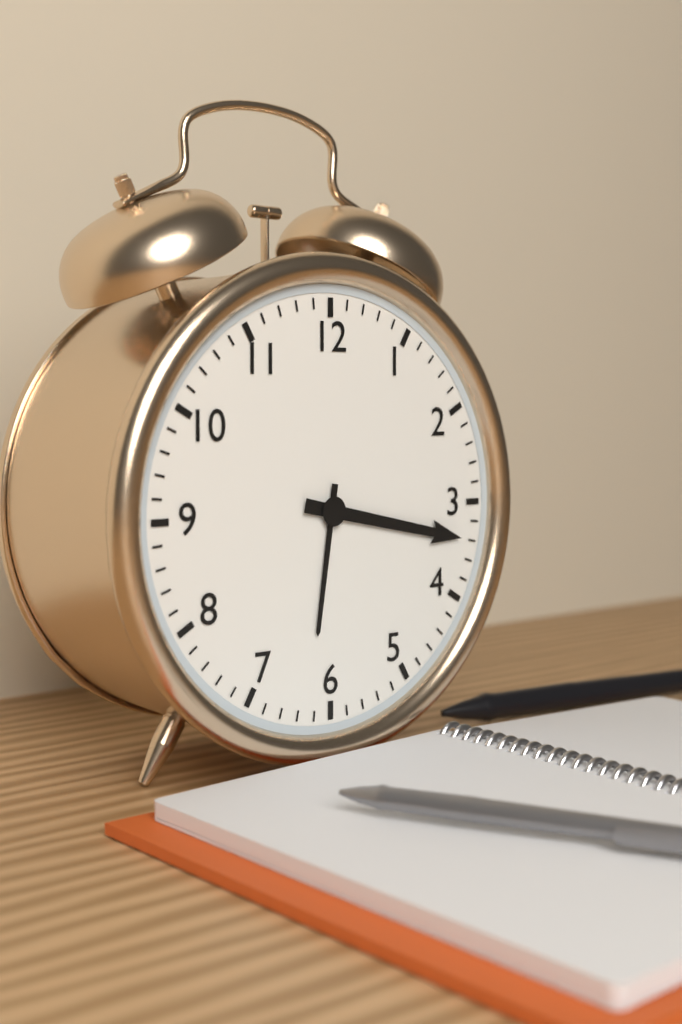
6h17
